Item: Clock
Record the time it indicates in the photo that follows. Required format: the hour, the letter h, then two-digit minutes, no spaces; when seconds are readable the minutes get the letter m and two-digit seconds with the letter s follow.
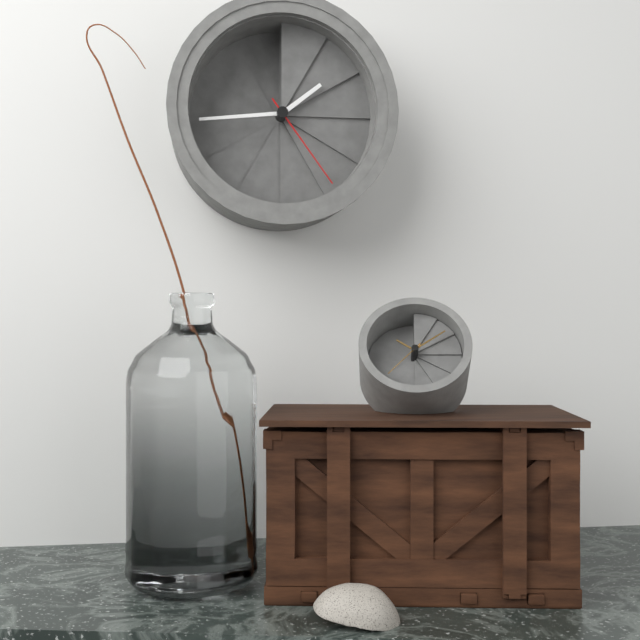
1h44m24s
